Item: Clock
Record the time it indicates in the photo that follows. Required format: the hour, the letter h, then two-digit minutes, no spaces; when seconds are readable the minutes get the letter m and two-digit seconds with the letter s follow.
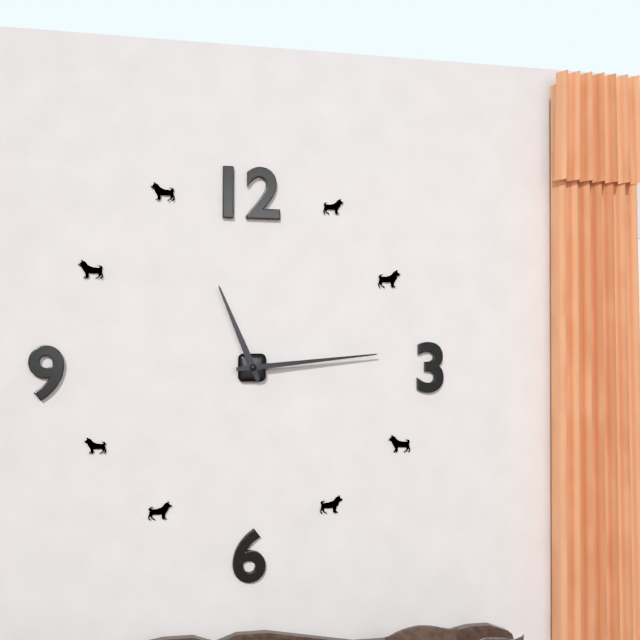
11h14
